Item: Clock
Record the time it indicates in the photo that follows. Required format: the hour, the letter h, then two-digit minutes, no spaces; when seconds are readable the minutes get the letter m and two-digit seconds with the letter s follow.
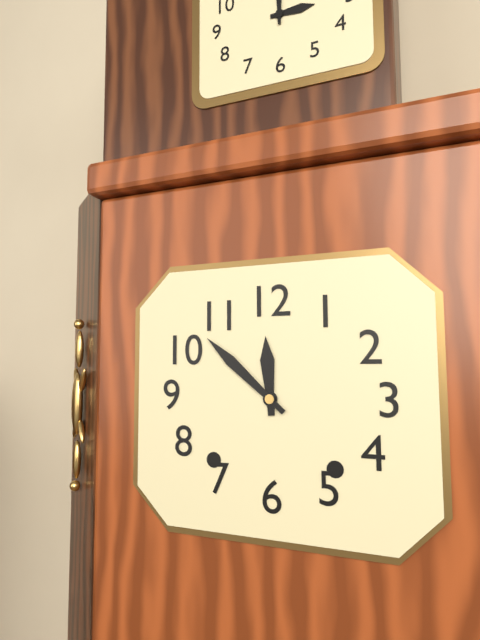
11h52
